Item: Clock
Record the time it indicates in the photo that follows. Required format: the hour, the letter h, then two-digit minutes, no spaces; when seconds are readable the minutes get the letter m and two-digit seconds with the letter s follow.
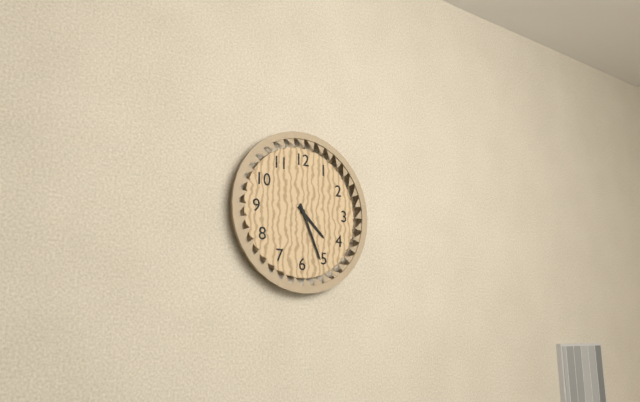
4h26
